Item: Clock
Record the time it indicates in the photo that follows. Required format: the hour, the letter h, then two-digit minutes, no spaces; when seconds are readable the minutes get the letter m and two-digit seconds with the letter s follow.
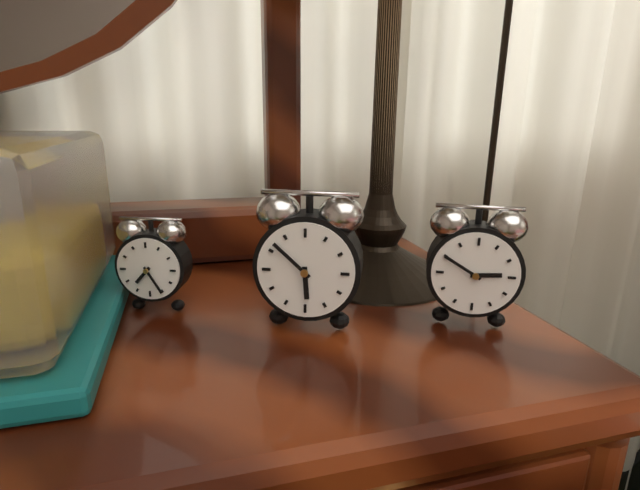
5h52
